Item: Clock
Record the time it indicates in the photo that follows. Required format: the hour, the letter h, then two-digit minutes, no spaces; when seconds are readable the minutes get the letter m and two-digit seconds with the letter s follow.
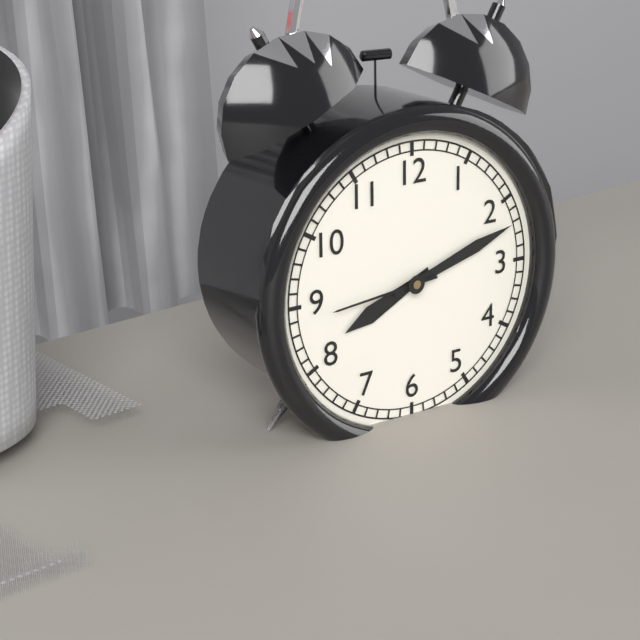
8h12m44s
